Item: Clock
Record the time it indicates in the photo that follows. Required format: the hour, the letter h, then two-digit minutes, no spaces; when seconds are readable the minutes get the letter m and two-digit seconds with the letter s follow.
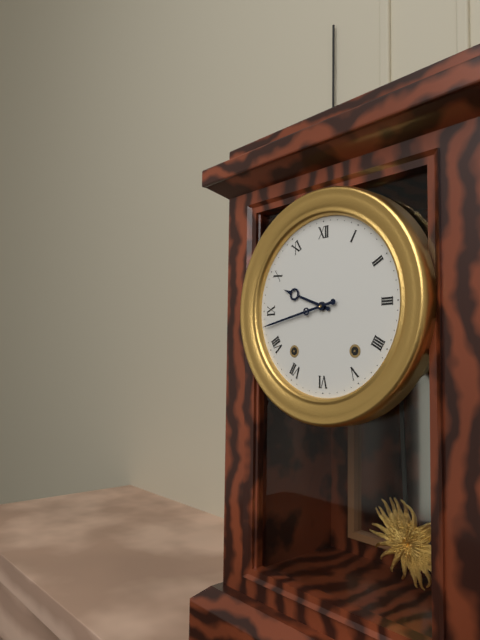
9h43
